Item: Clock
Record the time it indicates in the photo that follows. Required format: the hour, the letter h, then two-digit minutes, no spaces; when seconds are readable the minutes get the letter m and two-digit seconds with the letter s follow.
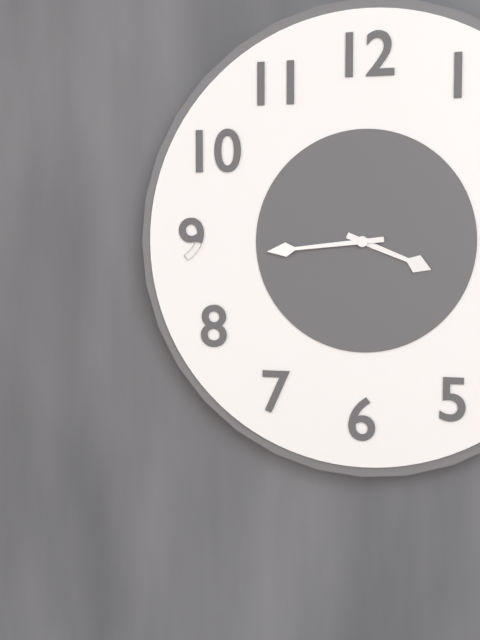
3h44
